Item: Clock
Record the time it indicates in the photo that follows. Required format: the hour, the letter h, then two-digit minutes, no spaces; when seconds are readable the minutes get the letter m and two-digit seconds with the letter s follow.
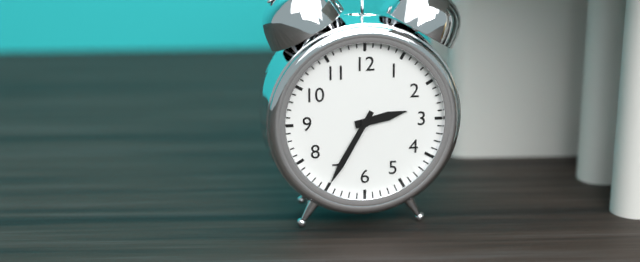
2h35
